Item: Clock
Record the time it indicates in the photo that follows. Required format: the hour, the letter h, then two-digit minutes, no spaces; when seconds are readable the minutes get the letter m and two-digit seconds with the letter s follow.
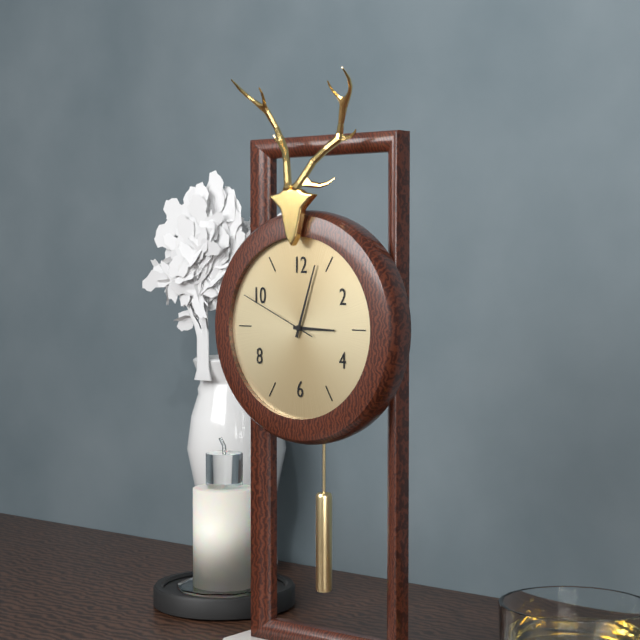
3h03m49s
